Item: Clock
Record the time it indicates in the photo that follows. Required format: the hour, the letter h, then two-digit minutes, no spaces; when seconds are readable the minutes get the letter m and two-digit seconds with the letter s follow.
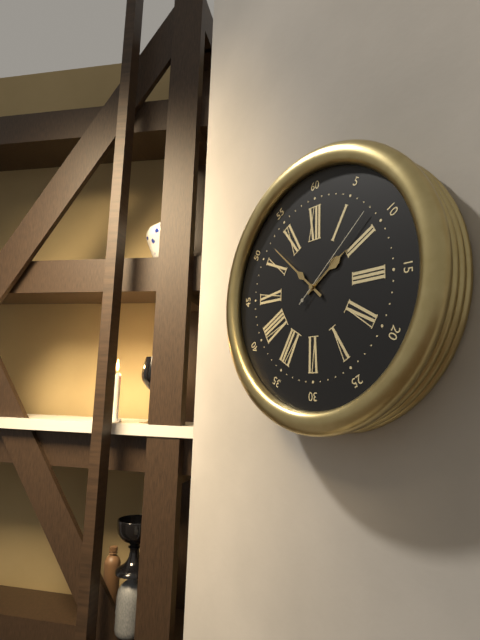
1h52m08s
